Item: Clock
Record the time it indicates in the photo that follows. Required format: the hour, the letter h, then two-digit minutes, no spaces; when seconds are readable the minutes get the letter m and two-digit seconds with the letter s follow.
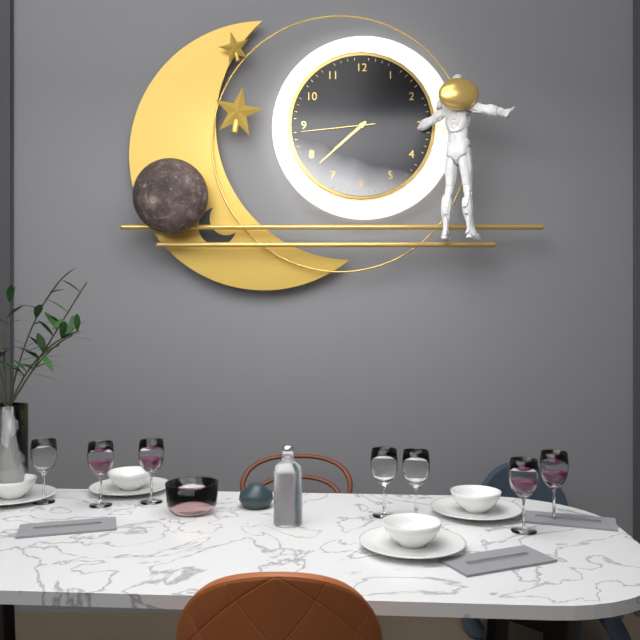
7h38m44s
